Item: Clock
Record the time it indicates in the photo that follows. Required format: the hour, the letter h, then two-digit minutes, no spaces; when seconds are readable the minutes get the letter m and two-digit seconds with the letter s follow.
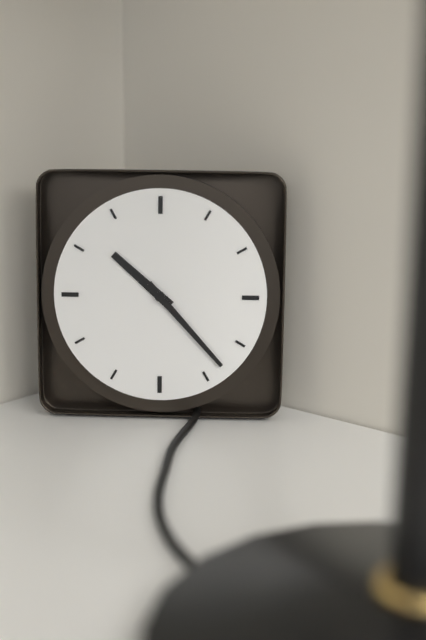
10h23
